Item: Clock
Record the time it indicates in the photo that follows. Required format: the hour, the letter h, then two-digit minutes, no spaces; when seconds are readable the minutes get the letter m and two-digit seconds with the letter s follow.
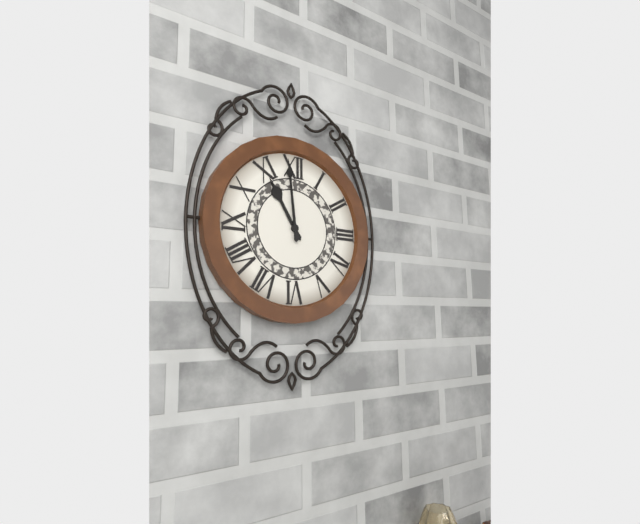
10h59
